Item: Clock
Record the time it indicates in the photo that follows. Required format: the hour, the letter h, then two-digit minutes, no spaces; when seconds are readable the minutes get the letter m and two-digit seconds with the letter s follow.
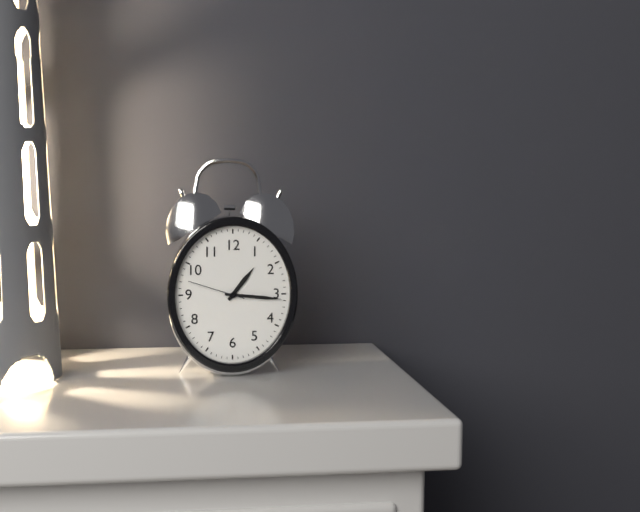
1h16m48s
